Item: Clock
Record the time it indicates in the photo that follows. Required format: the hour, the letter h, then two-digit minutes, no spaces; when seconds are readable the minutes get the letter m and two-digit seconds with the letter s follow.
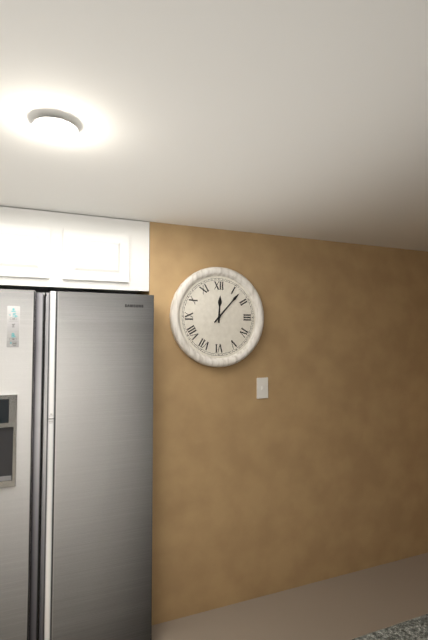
12h07
